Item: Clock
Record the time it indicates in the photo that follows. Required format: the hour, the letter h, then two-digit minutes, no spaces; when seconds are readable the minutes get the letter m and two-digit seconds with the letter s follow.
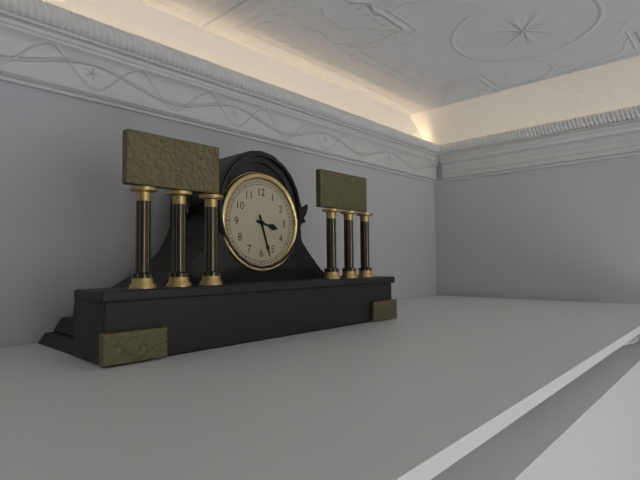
3h27
